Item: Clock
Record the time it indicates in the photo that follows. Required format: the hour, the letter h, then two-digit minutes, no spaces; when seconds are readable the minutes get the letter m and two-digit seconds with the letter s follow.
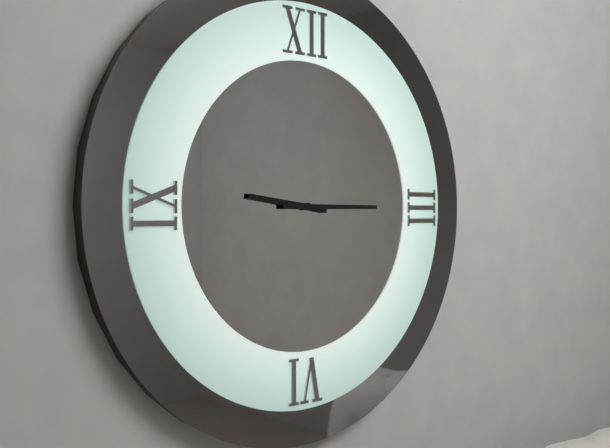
9h15
